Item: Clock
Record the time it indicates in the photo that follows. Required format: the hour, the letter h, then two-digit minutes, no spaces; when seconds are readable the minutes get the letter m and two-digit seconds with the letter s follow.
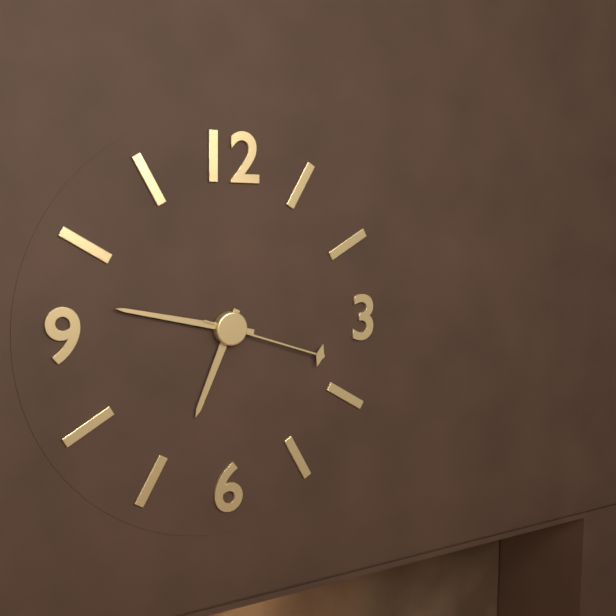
6h47m18s
